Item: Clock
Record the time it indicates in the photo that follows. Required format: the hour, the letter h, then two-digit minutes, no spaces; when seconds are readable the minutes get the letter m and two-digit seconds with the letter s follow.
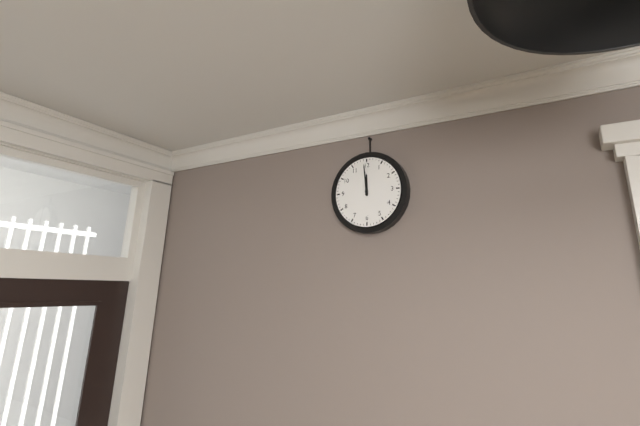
11h59
